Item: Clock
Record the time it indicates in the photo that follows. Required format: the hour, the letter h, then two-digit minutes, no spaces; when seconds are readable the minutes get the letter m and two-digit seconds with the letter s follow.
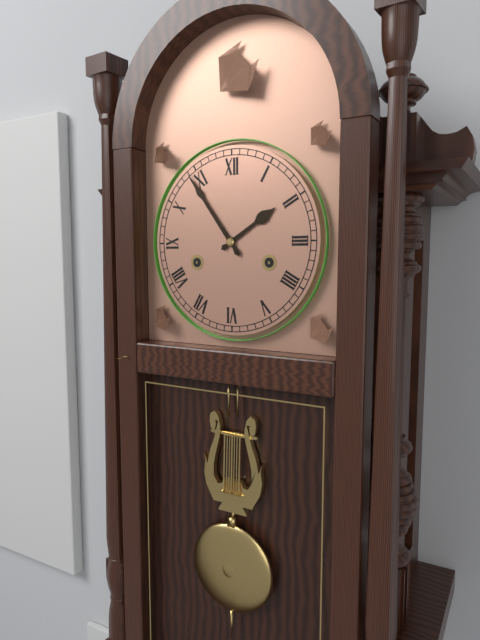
1h54
